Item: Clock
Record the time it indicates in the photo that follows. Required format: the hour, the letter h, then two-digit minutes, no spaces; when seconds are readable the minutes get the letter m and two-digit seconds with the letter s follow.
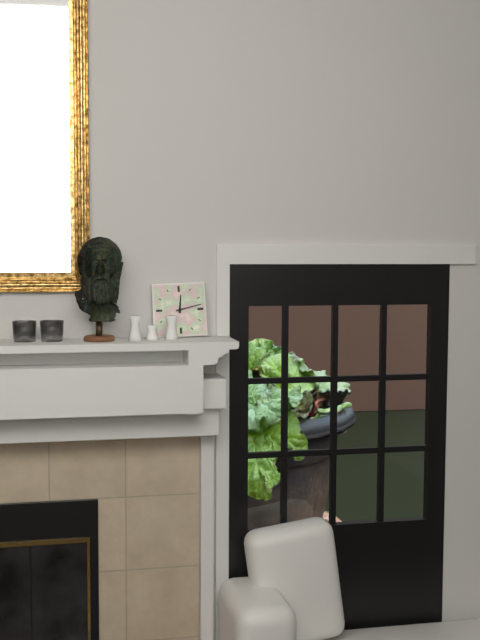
12h13
